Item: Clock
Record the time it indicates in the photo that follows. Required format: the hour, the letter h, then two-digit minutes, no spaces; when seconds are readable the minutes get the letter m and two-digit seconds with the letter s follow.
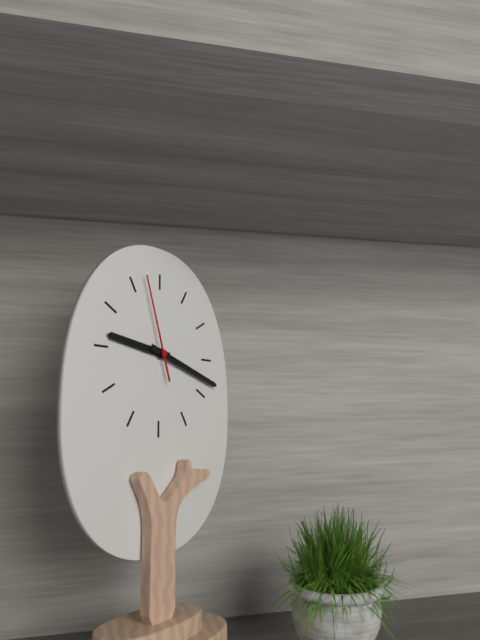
9h18m57s
